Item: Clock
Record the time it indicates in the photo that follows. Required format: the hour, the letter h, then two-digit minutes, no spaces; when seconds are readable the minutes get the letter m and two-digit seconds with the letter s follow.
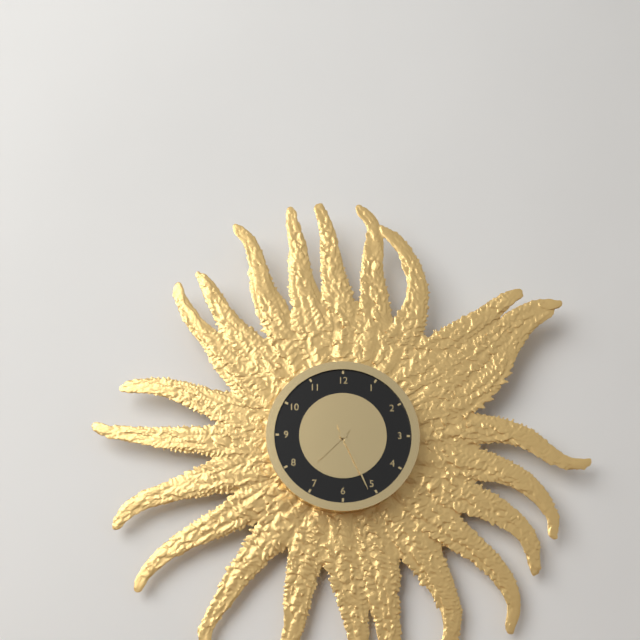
7h26
